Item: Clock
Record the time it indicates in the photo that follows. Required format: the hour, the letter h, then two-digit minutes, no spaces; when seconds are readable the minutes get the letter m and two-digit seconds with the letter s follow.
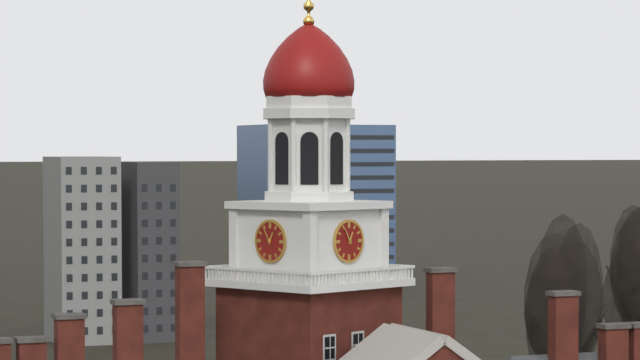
12h55
